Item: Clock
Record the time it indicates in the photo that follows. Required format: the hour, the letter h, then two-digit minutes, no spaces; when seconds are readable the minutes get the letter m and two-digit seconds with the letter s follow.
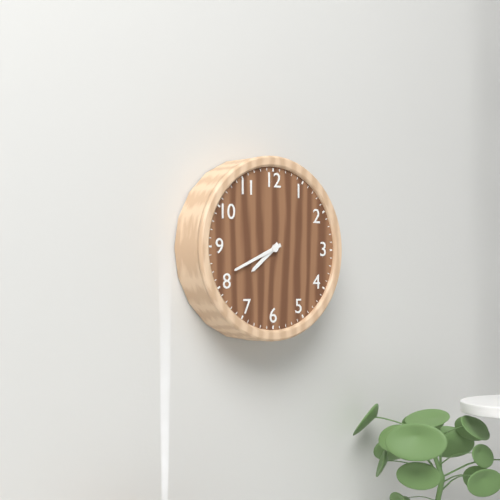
7h41
